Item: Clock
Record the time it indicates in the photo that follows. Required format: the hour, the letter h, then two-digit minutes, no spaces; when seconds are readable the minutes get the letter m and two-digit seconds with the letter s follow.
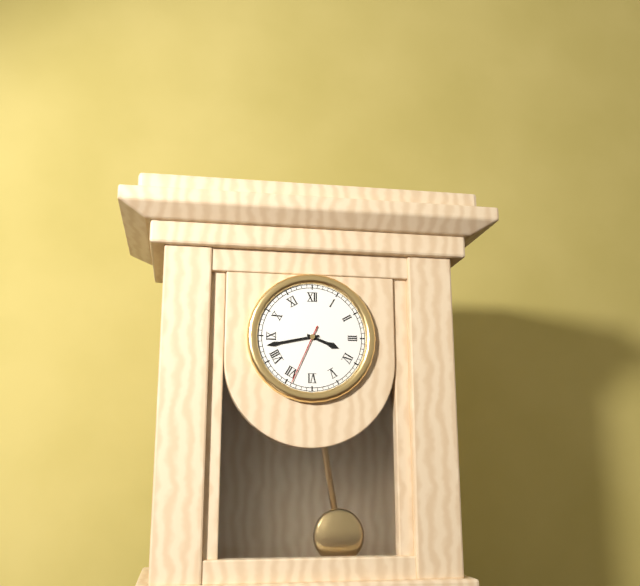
3h43m34s
